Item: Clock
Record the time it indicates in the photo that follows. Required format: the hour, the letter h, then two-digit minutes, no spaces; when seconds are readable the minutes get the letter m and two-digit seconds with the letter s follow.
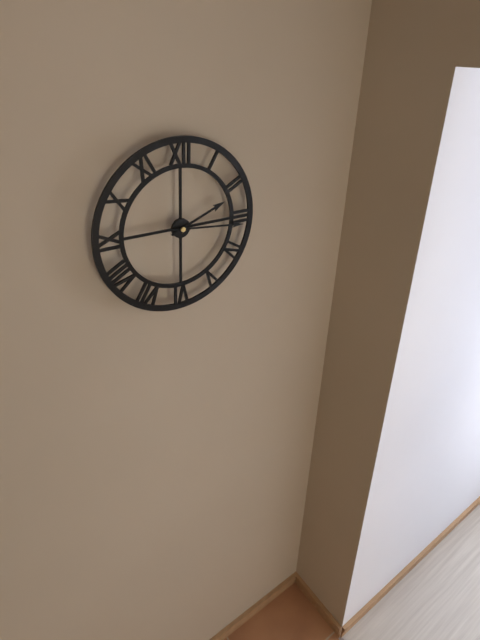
2h16
